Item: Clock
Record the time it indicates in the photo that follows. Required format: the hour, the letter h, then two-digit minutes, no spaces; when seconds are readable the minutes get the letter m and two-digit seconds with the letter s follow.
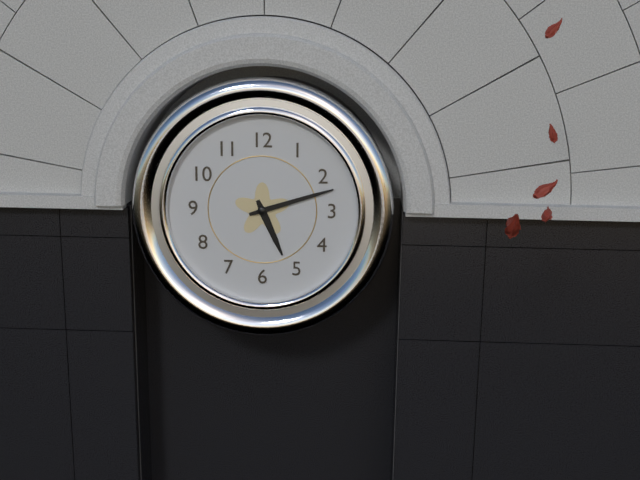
5h12
